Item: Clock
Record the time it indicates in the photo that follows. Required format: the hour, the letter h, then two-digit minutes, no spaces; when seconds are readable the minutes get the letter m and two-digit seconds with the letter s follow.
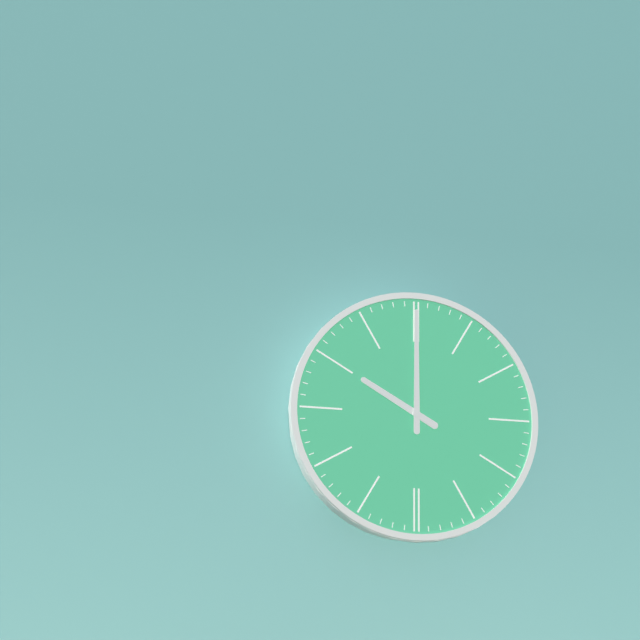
10h00
